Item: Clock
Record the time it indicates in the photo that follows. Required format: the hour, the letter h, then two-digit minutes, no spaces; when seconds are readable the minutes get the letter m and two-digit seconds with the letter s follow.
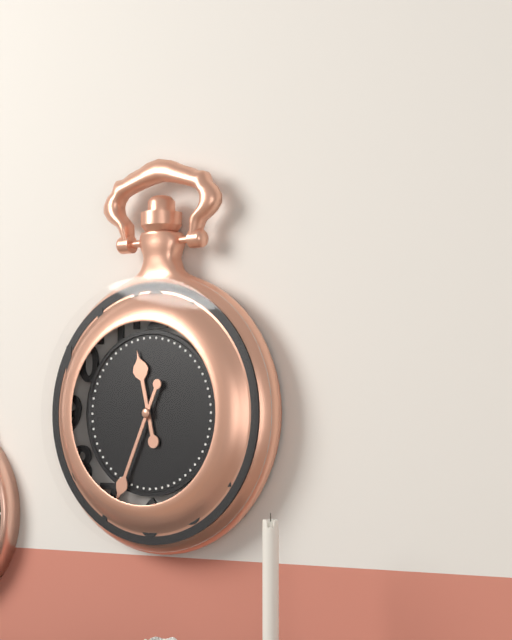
11h34
